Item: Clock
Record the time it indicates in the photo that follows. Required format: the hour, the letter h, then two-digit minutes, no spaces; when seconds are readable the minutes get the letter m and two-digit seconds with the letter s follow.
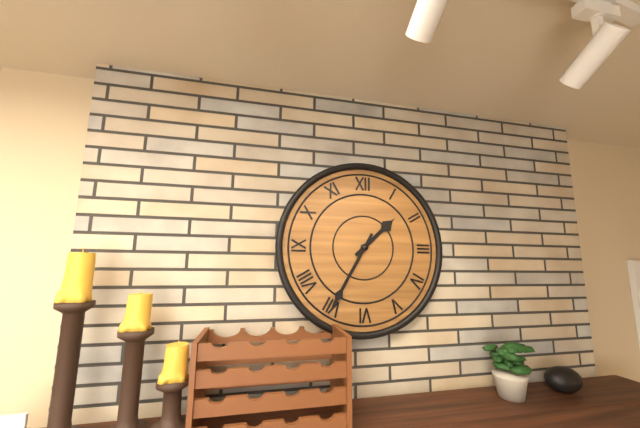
1h35
